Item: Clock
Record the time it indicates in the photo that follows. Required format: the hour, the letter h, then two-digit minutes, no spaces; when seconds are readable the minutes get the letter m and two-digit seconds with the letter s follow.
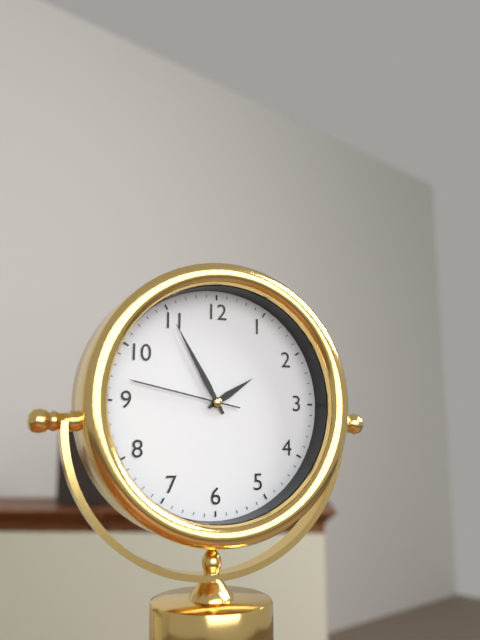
1h55m47s
